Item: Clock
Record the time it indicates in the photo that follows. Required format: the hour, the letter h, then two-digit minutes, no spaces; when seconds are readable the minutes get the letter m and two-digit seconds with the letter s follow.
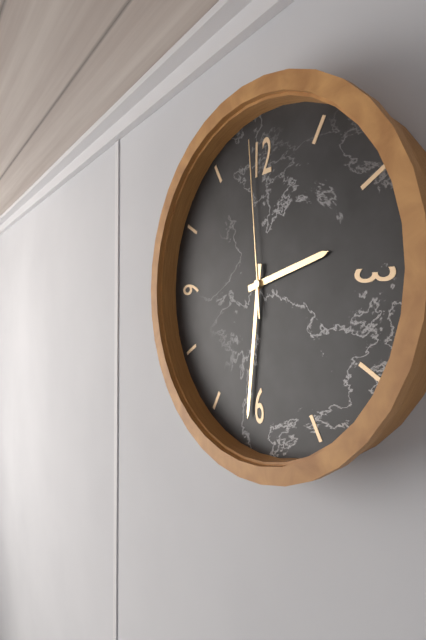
2h31m59s
